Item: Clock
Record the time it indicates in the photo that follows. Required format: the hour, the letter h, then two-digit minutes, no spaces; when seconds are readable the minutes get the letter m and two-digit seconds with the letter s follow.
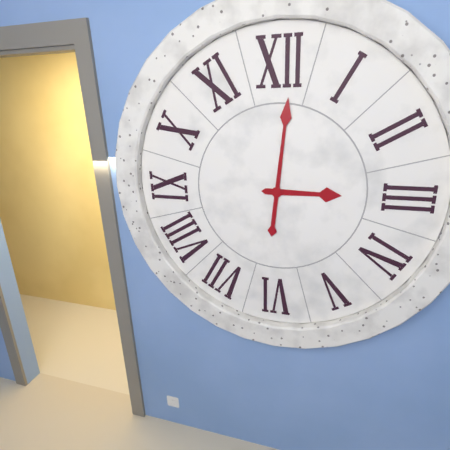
3h01
